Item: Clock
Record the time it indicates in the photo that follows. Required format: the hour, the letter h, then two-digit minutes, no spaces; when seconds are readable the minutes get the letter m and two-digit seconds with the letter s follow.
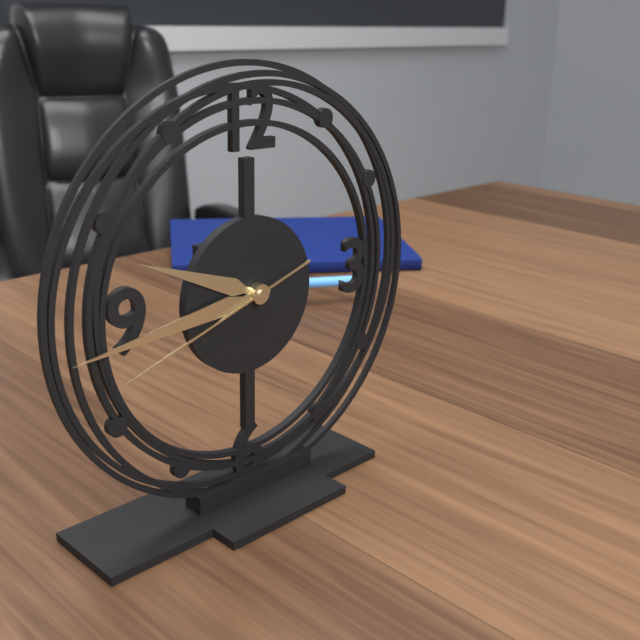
9h44m42s
